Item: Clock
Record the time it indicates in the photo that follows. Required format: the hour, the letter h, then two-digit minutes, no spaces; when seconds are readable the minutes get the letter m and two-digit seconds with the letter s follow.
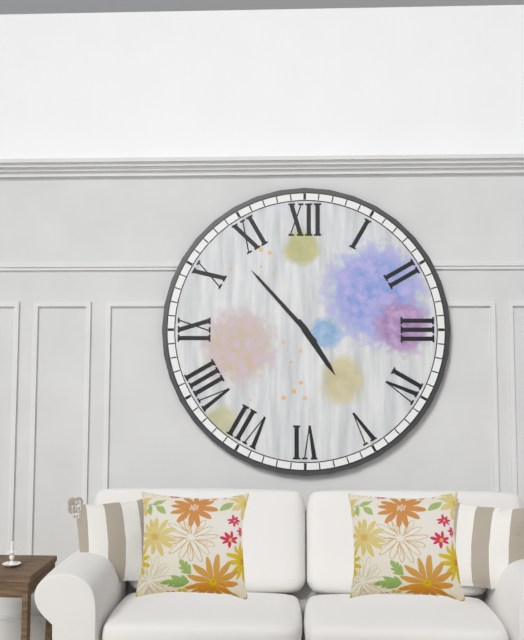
4h53
